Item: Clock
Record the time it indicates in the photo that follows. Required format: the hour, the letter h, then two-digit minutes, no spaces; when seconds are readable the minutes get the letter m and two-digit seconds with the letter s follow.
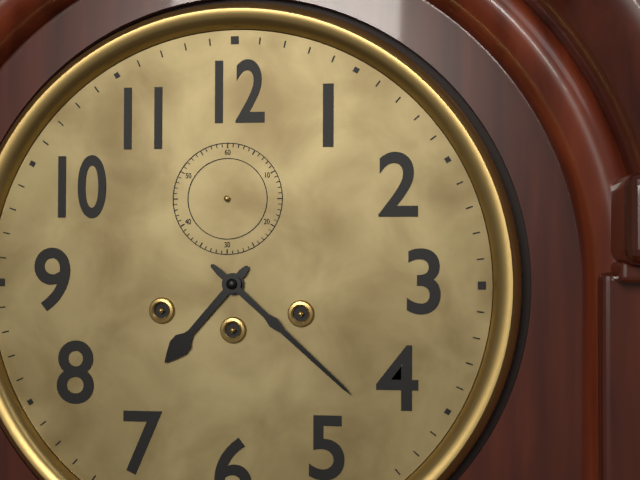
7h22
